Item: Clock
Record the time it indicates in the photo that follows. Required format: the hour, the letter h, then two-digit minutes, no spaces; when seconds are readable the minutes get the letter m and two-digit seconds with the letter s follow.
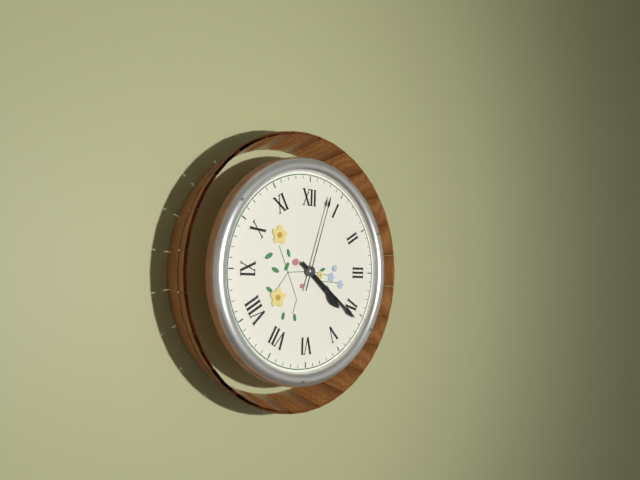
4h21m03s
